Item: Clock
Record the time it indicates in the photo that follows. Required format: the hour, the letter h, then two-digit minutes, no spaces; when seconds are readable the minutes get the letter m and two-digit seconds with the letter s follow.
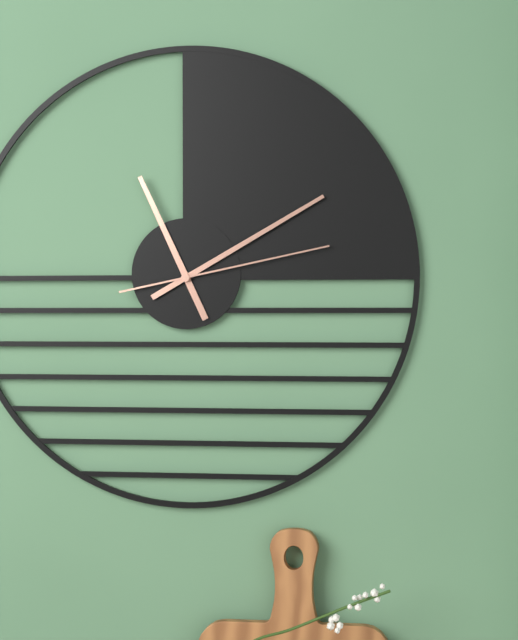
11h10m13s
